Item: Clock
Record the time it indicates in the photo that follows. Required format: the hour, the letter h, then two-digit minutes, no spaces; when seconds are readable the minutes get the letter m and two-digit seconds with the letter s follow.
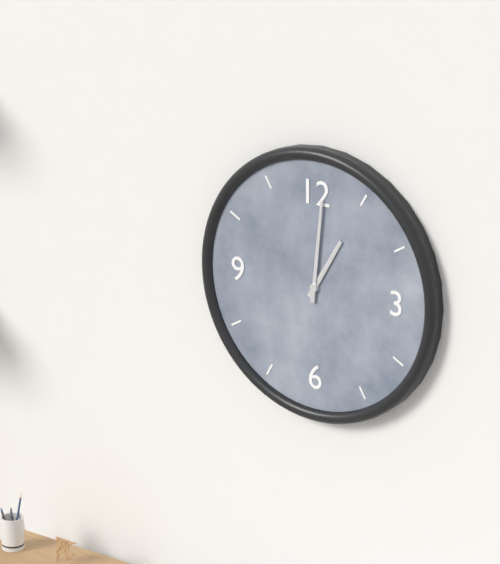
1h01
